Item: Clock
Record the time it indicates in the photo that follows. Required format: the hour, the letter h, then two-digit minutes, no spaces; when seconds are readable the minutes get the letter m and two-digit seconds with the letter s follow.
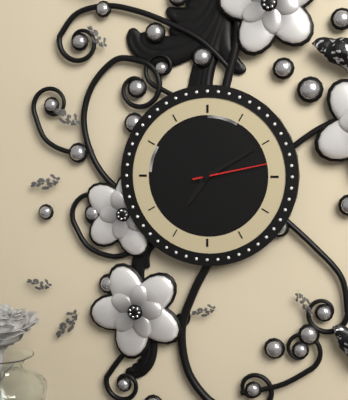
7h10m13s
